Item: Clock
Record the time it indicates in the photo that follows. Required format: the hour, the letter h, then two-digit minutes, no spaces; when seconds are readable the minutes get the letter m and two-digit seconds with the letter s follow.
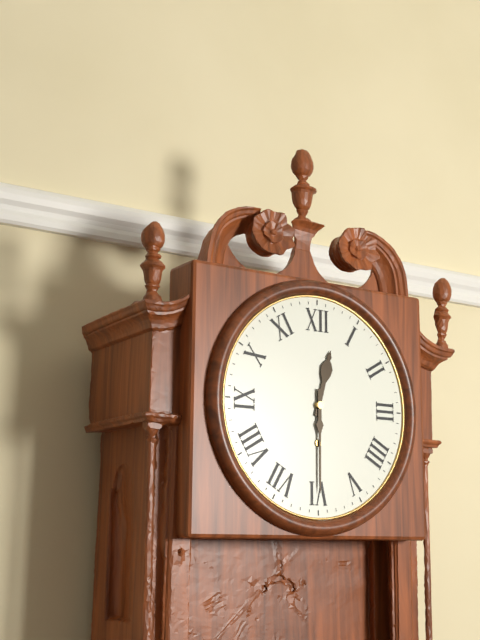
12h30
